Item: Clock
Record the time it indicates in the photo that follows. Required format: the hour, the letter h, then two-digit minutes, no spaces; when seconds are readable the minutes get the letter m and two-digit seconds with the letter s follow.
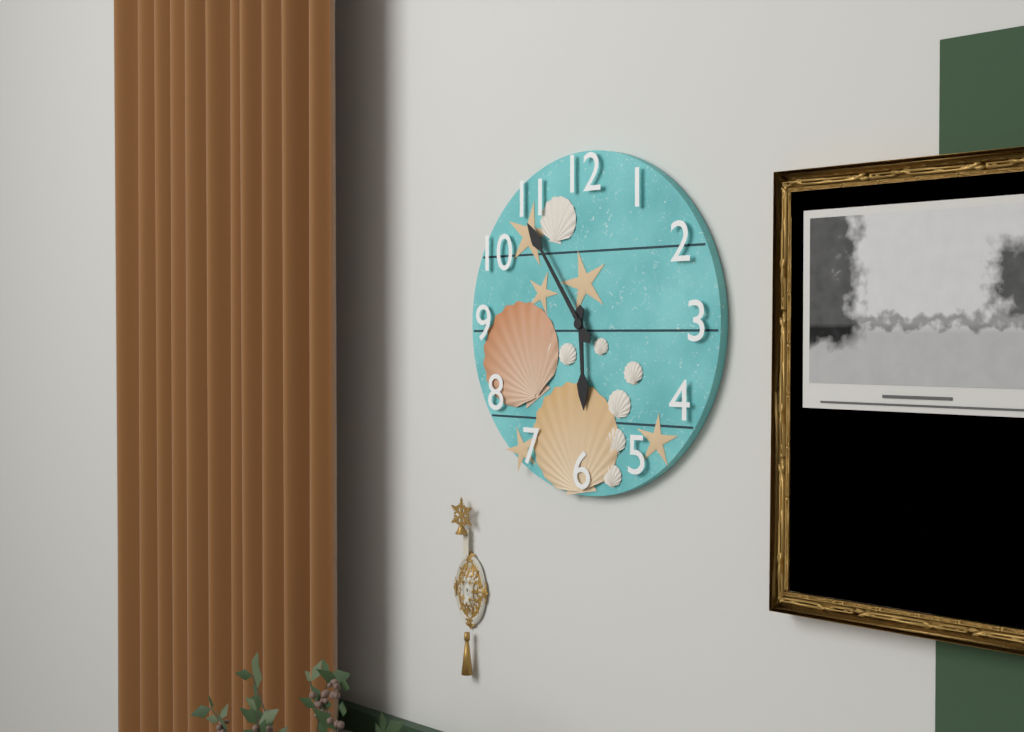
5h54
